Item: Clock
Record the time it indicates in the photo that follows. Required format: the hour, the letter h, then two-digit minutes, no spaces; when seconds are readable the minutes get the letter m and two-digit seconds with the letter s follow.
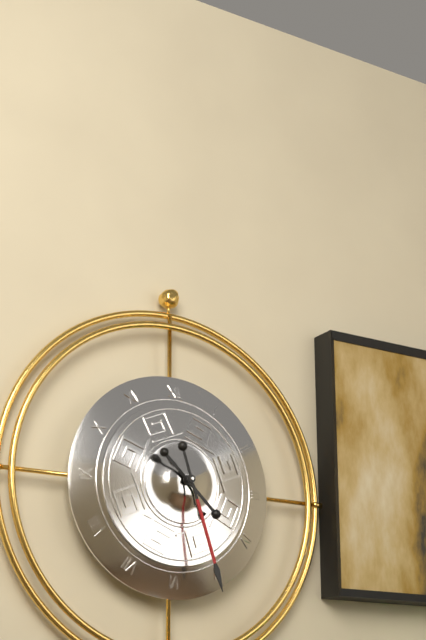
4h27
